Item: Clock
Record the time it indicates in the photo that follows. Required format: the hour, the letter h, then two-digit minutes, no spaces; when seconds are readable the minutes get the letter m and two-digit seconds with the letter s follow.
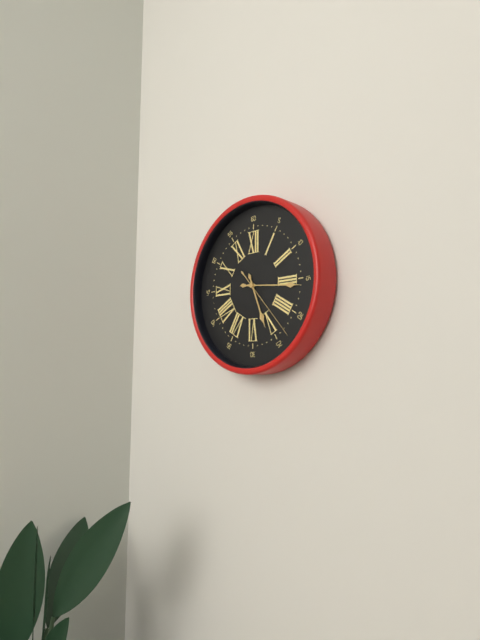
5h16m23s
